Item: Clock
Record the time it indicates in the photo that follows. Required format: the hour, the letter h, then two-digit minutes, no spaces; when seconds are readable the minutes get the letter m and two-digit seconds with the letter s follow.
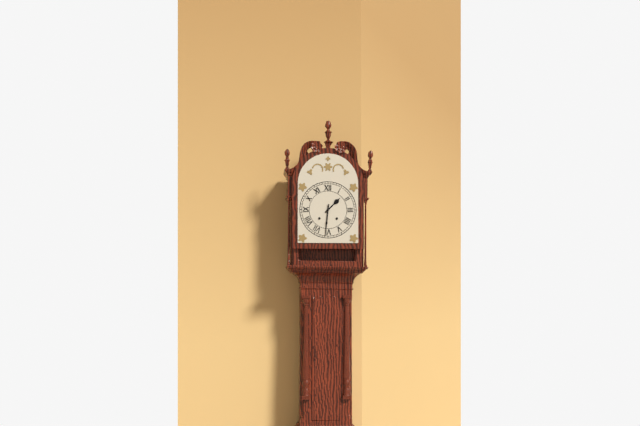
1h31
